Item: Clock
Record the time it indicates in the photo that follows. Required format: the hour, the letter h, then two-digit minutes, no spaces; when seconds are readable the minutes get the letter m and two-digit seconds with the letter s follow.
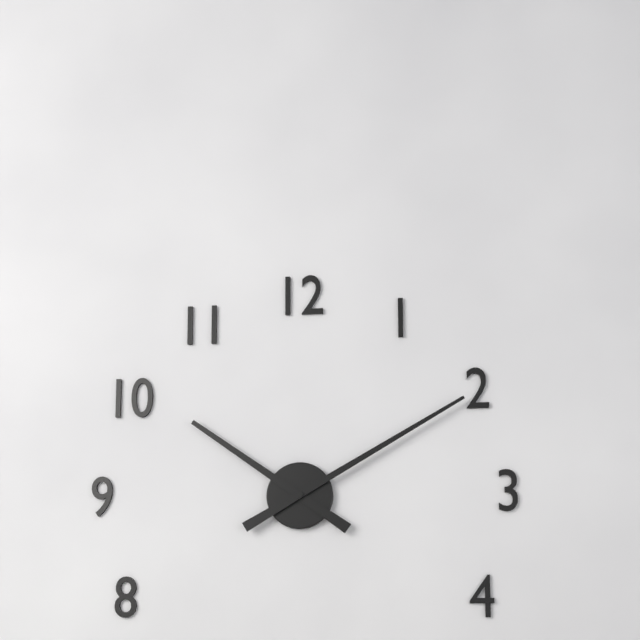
10h10
